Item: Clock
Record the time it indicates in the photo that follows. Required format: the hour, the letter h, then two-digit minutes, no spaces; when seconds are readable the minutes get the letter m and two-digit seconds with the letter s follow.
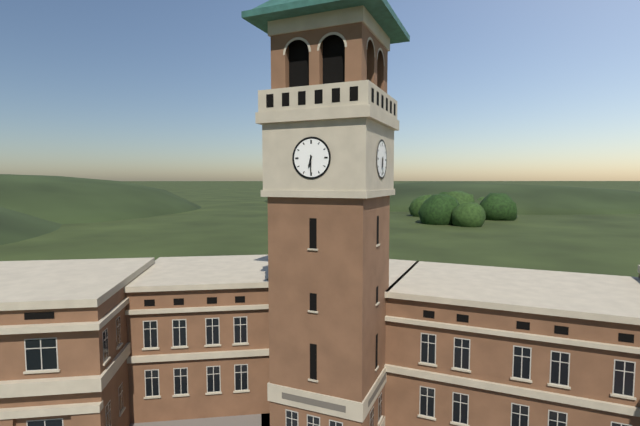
6h30
